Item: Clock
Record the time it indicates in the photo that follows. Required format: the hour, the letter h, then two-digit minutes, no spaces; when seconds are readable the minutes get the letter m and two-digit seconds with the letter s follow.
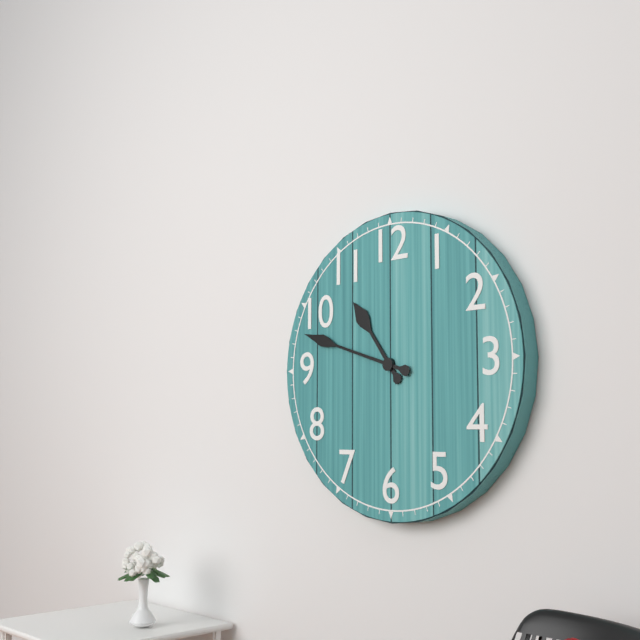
10h48
